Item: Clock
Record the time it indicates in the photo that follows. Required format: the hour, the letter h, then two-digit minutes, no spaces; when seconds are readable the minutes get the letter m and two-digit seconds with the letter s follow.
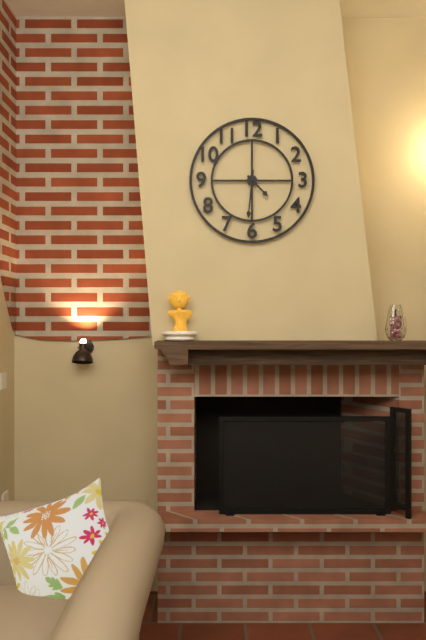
4h31
